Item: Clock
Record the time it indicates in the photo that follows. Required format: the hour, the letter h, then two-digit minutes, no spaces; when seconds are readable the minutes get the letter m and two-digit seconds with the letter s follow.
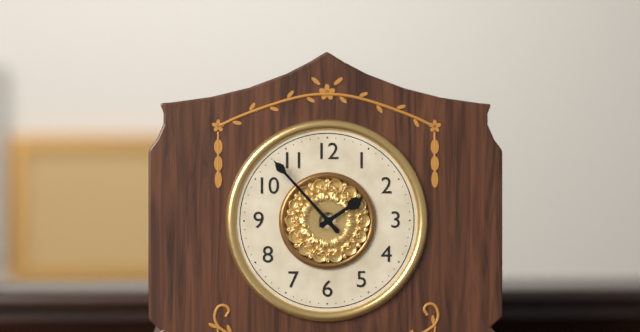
1h53
